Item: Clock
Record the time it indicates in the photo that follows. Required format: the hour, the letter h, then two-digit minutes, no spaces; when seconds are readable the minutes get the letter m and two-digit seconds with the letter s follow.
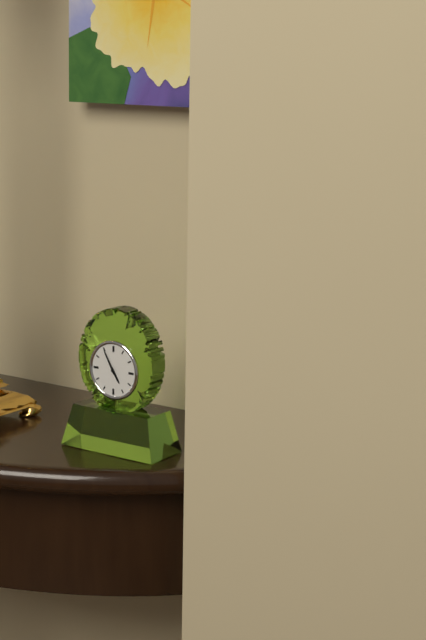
4h55
